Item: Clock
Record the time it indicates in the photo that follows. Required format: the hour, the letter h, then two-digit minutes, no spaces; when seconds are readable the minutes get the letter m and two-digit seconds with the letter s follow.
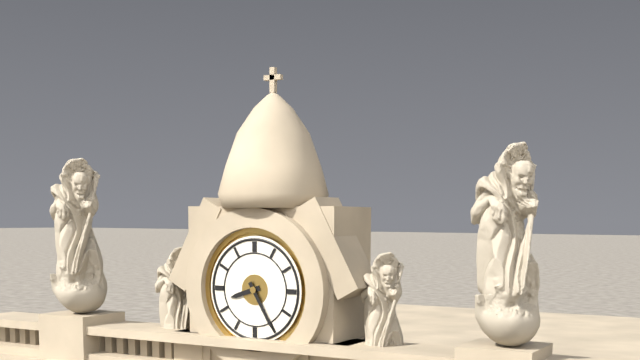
8h25
